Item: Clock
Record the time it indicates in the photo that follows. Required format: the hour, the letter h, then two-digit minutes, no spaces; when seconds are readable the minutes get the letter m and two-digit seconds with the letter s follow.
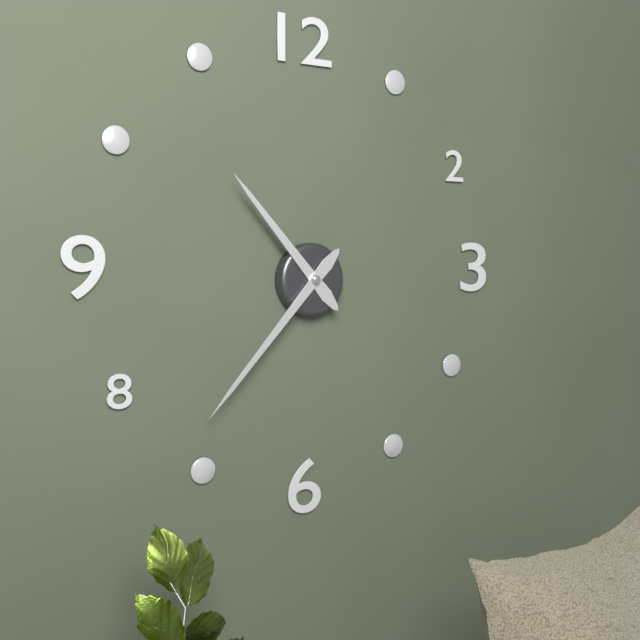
10h37
